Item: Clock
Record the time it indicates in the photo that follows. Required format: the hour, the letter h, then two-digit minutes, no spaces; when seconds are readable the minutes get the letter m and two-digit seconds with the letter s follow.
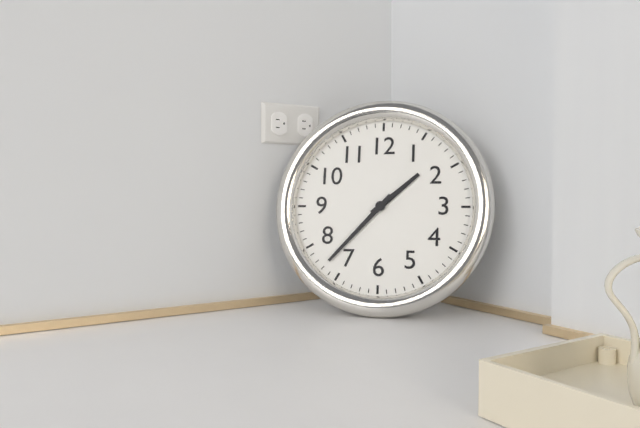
1h37
